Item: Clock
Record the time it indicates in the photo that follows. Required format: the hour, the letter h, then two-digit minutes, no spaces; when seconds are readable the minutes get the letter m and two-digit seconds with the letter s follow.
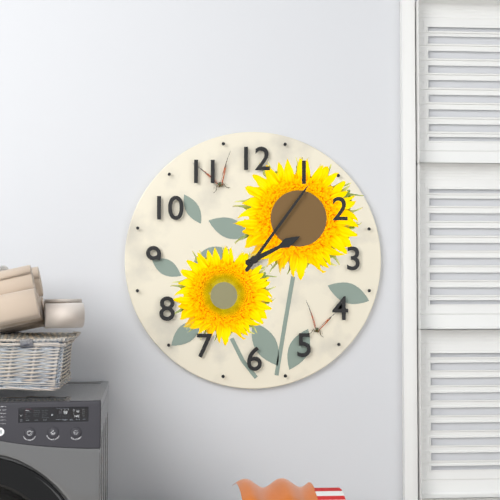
2h06
